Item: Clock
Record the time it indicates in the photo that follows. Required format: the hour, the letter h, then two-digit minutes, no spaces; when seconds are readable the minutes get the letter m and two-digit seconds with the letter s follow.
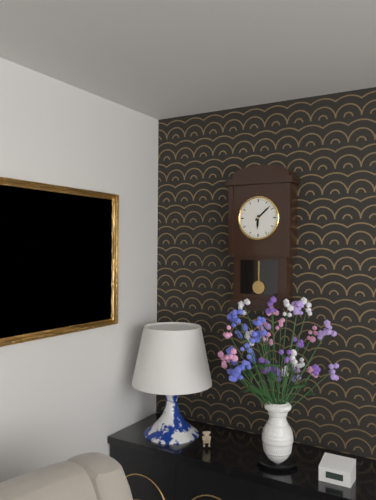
6h08
